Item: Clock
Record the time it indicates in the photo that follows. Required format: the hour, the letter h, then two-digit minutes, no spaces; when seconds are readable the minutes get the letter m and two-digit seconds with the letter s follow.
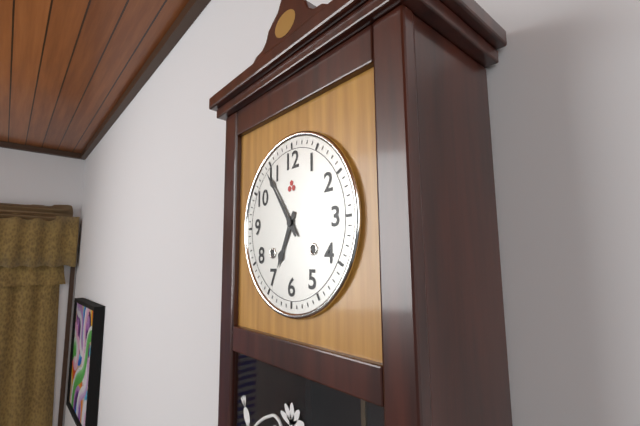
6h54
